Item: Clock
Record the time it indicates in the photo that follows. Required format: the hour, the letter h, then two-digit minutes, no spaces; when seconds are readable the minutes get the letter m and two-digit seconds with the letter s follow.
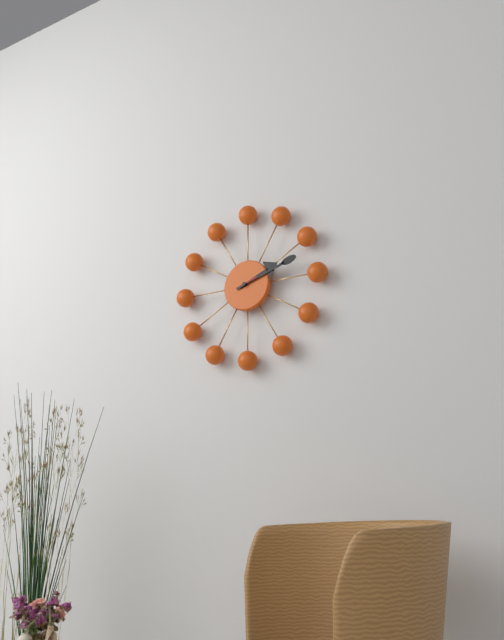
2h12
